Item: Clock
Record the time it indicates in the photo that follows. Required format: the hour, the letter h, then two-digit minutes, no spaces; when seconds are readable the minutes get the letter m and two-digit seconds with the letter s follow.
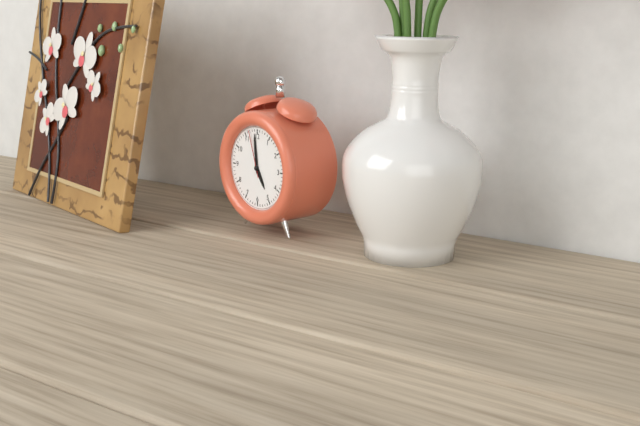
4h59
